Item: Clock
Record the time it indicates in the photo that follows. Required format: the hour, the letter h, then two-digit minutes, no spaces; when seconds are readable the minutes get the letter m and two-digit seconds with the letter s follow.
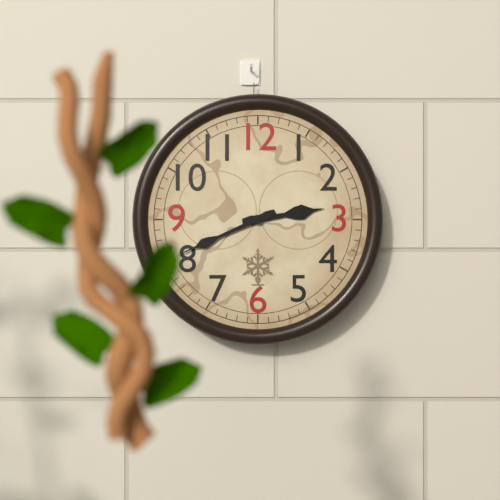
2h41
